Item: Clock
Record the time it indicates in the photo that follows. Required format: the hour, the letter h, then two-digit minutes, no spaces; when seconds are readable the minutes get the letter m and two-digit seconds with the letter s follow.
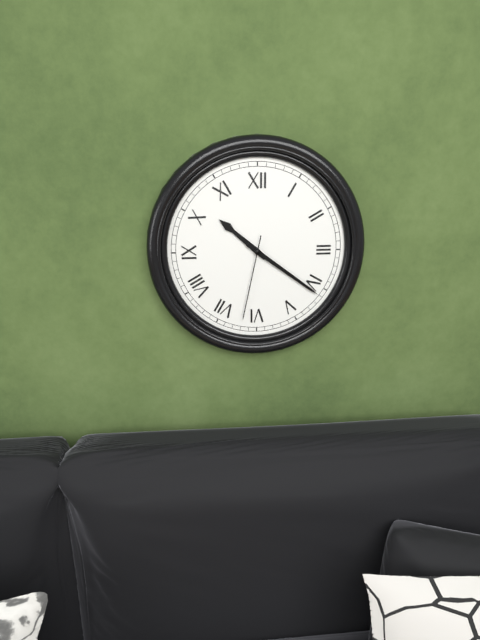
10h21m32s
